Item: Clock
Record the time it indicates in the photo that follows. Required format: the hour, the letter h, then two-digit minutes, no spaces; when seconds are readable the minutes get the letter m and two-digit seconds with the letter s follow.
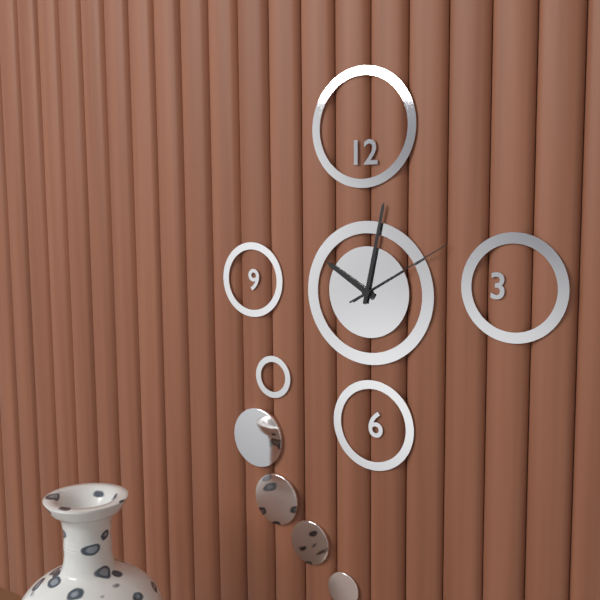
10h02m10s
